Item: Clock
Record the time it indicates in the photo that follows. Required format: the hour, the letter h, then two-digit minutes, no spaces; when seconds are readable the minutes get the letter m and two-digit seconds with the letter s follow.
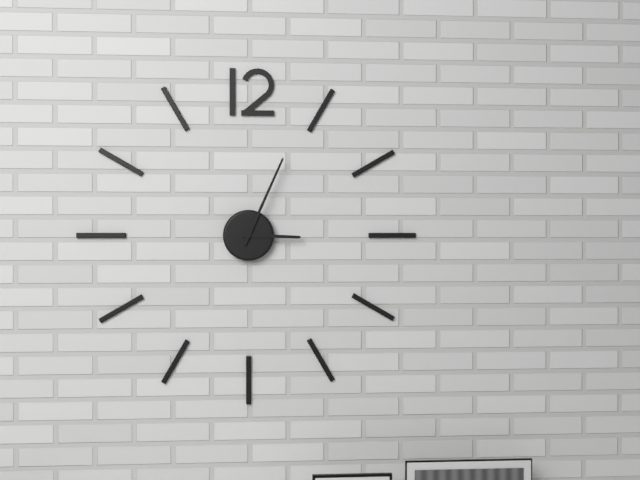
3h04
